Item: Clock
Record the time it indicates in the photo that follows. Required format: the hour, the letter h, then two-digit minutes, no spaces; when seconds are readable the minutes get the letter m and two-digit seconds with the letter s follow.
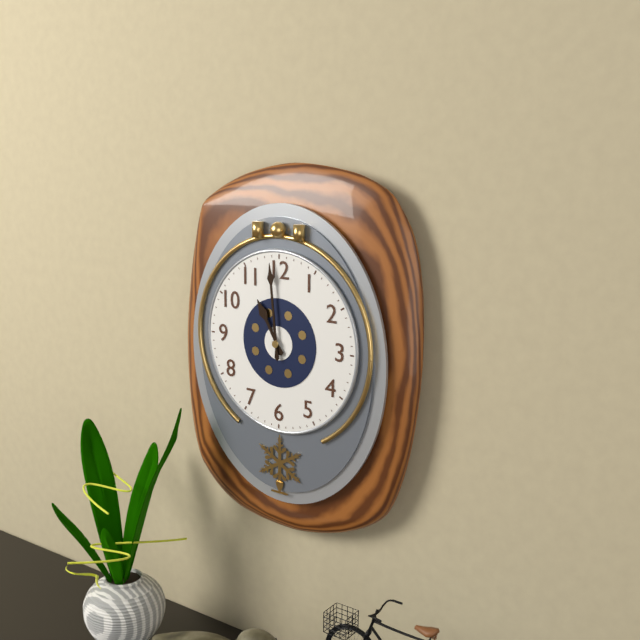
10h59
